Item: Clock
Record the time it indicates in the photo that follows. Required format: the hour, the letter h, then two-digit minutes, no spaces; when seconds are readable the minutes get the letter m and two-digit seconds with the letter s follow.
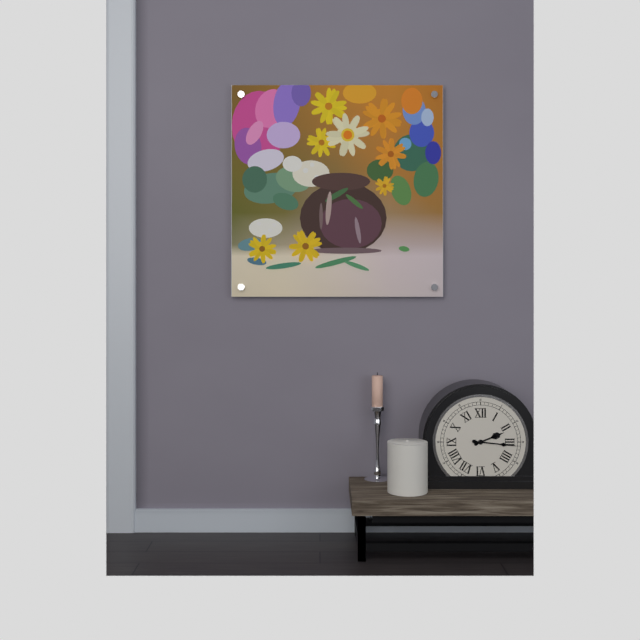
2h16
